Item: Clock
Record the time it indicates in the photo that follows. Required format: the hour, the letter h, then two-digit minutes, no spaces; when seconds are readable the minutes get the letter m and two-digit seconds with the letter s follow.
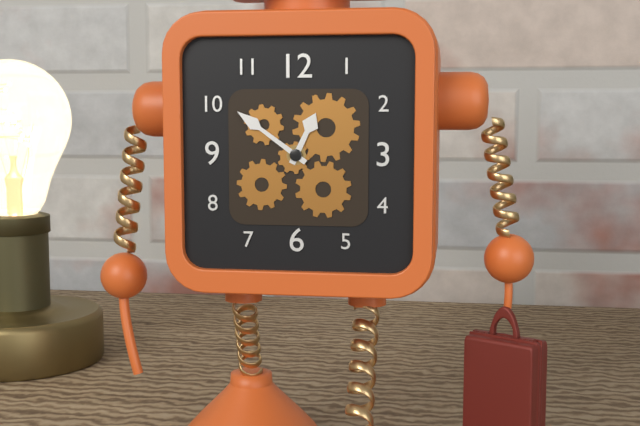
12h51
